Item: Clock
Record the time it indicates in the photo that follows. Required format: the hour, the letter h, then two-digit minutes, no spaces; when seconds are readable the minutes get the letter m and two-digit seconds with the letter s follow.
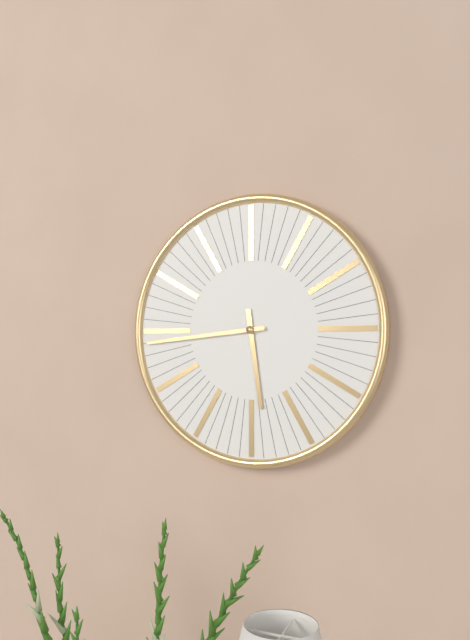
5h44
